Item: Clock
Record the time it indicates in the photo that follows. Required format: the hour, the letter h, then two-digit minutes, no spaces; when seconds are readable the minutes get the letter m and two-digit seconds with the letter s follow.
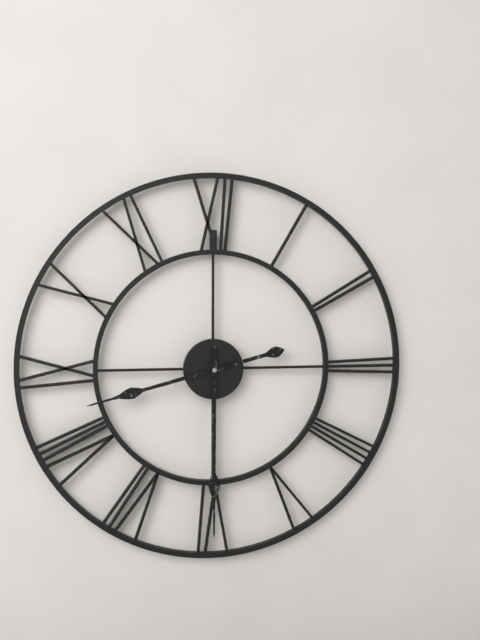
8h30
